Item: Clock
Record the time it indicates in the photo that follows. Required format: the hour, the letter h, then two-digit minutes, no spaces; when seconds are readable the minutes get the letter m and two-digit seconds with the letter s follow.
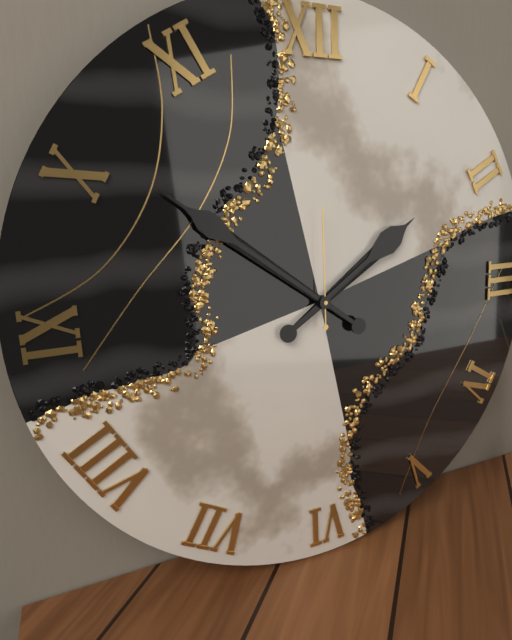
1h51m00s
